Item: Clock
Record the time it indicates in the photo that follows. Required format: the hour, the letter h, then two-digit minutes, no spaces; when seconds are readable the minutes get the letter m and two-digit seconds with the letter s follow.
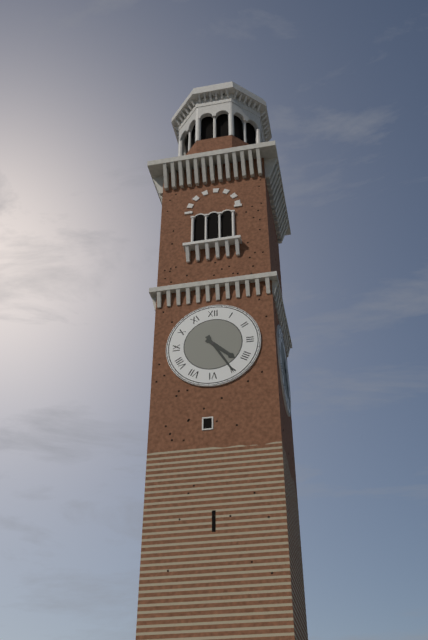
4h25
